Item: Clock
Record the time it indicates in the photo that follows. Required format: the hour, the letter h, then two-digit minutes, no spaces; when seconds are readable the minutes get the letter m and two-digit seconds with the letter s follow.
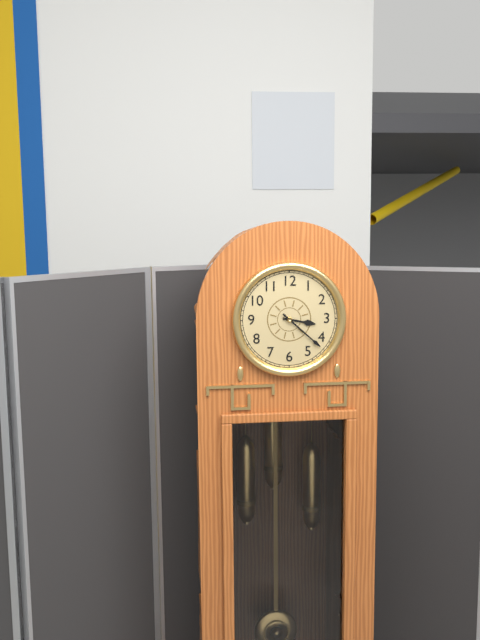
3h22
